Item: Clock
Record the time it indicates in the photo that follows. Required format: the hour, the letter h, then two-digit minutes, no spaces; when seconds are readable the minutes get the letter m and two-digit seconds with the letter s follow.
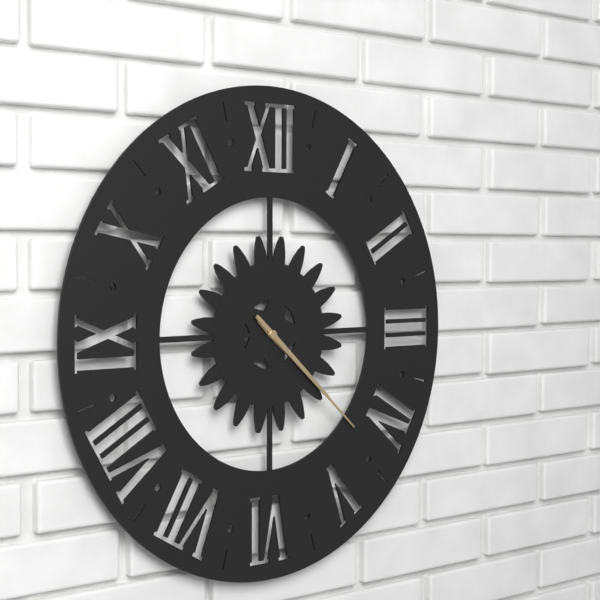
4h22
